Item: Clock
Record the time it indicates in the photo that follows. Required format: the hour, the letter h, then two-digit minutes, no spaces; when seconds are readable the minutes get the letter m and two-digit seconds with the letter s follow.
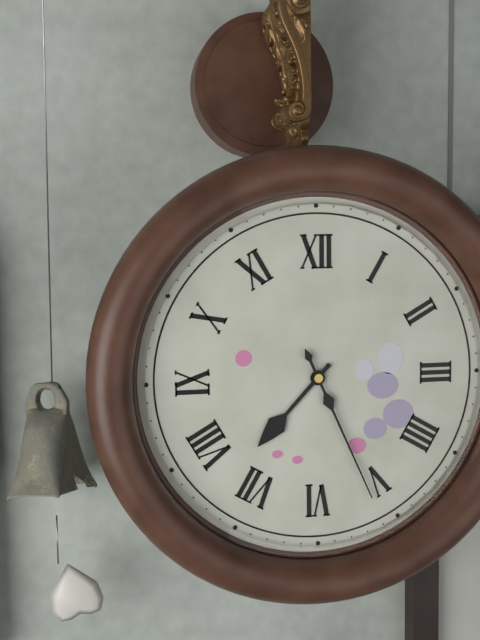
7h26
